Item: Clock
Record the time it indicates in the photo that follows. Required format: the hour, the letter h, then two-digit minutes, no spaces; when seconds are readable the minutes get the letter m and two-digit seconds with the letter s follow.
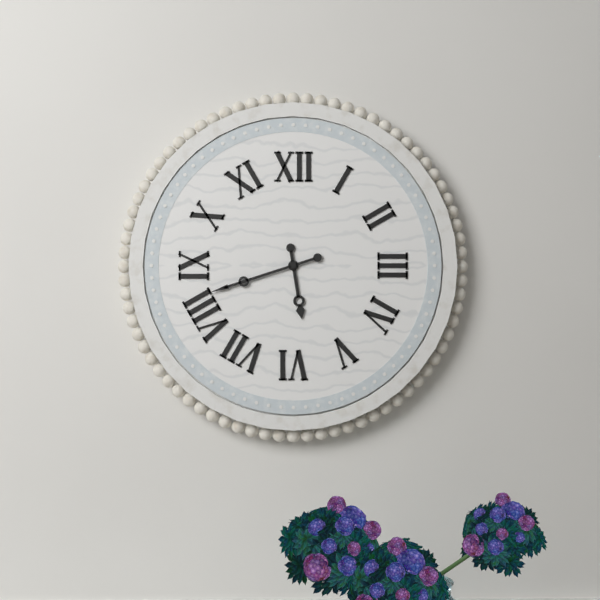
5h42
